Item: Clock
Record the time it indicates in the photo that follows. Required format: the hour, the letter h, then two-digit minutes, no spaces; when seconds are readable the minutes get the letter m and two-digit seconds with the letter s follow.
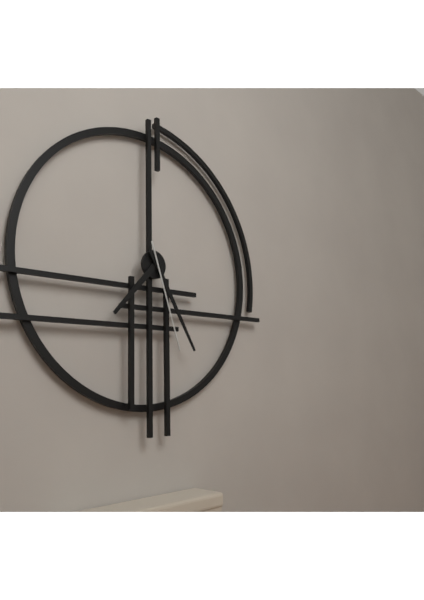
7h25m27s
